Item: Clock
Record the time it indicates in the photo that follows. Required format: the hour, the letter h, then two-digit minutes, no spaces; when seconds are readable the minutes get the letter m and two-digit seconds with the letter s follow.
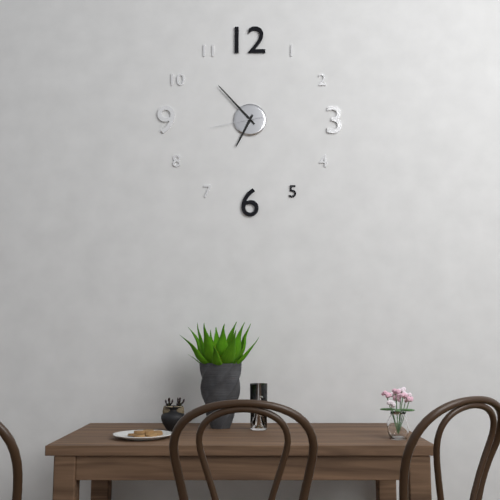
6h53m43s
